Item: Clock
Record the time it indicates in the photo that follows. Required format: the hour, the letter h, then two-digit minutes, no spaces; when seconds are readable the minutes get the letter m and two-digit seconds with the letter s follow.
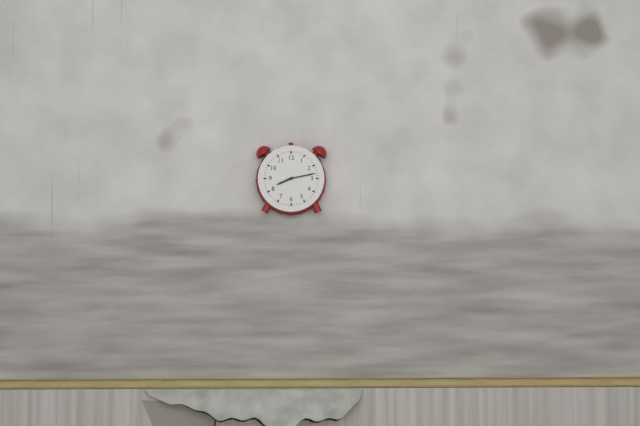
8h13
